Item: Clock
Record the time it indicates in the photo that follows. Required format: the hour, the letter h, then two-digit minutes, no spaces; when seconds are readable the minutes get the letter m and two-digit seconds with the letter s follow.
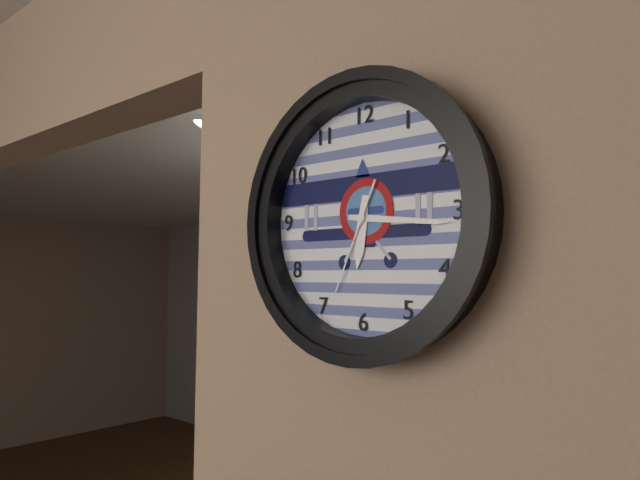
6h16m34s
